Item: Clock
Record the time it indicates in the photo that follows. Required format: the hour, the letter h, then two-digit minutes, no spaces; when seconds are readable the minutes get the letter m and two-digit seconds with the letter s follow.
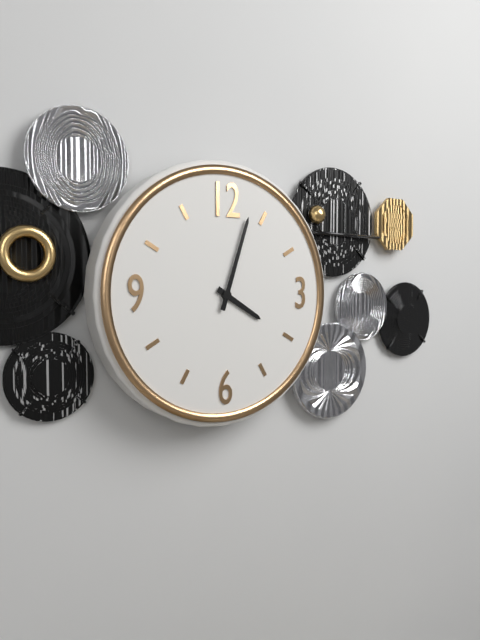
4h03
